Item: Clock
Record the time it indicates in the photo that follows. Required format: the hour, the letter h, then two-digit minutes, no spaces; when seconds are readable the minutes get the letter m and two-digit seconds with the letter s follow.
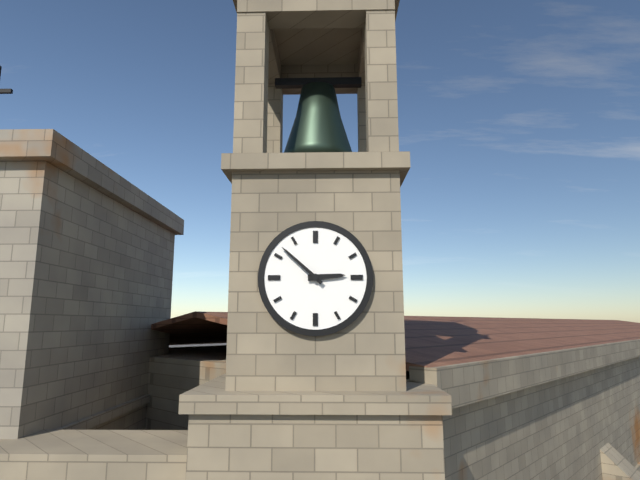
2h52
